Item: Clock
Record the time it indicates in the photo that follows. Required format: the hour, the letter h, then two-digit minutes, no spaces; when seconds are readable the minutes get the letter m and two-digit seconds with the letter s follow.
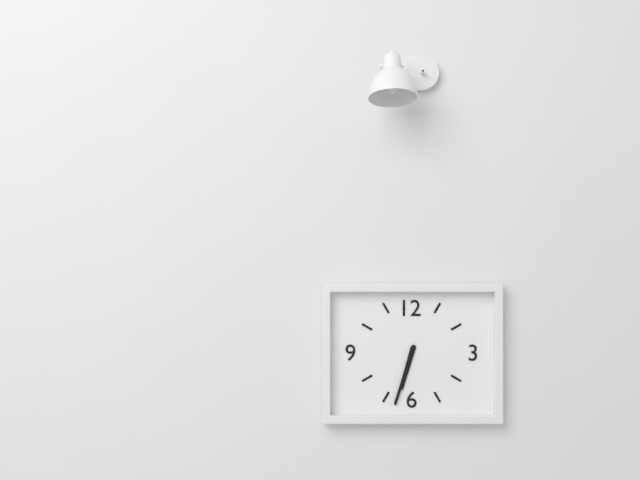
6h33
